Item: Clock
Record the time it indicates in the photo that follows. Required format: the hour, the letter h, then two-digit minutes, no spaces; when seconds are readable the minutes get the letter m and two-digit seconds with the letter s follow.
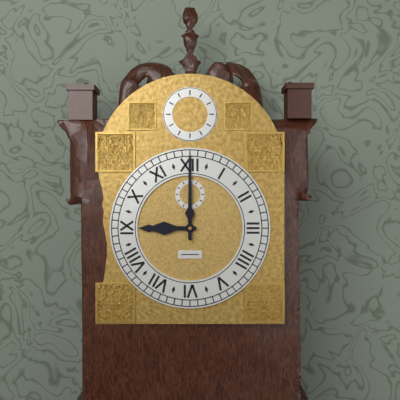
9h00
